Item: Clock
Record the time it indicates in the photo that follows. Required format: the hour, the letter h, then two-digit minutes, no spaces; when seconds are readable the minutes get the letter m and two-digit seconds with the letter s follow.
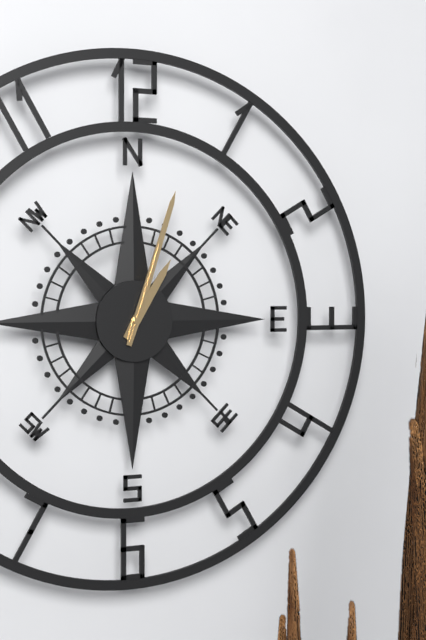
1h03m03s
